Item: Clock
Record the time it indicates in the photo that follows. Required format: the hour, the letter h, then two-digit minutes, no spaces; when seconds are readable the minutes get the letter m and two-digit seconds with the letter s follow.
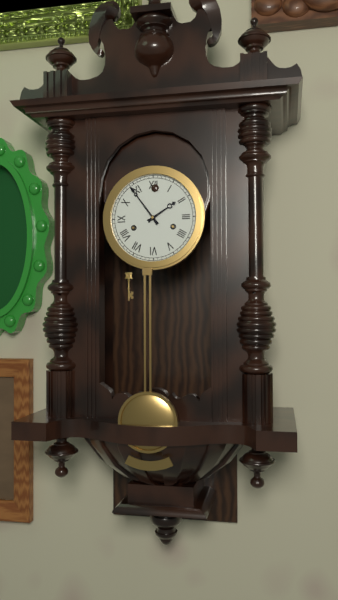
1h54
